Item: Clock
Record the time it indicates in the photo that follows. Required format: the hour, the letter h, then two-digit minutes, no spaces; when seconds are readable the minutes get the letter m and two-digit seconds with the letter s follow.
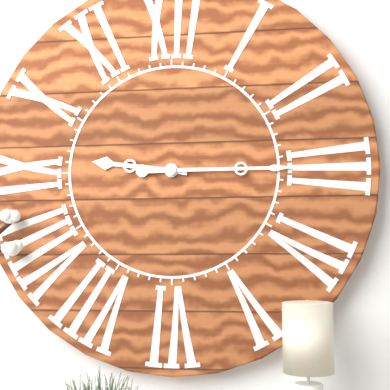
9h15
